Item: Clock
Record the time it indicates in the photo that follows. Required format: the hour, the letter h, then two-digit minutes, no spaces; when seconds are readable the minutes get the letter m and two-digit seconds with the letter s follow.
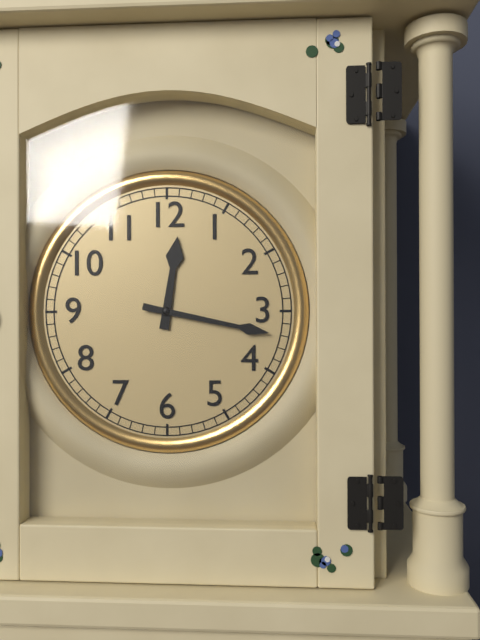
12h17
